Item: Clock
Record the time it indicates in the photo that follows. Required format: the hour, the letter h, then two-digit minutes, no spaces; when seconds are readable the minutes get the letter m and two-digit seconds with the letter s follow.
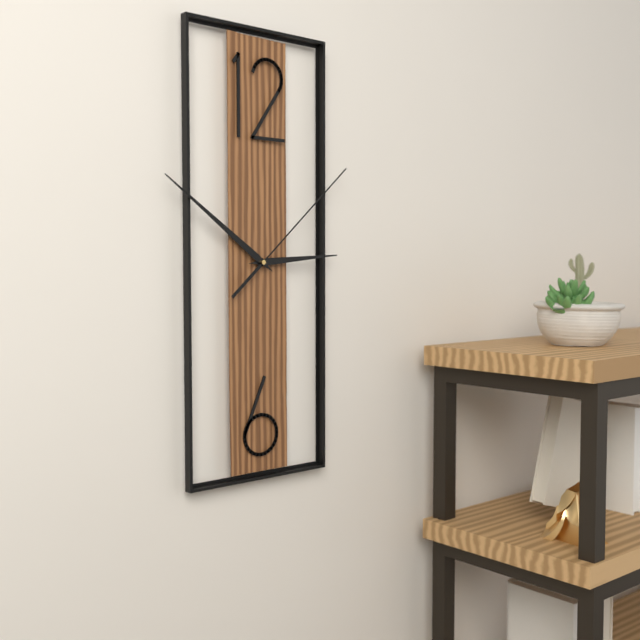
2h51m08s
